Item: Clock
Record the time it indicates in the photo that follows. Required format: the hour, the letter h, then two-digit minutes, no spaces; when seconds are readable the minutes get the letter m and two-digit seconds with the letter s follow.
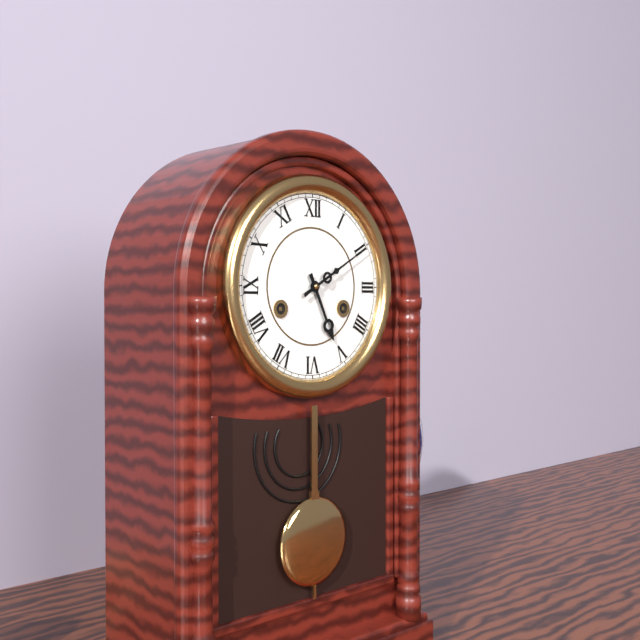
5h10
